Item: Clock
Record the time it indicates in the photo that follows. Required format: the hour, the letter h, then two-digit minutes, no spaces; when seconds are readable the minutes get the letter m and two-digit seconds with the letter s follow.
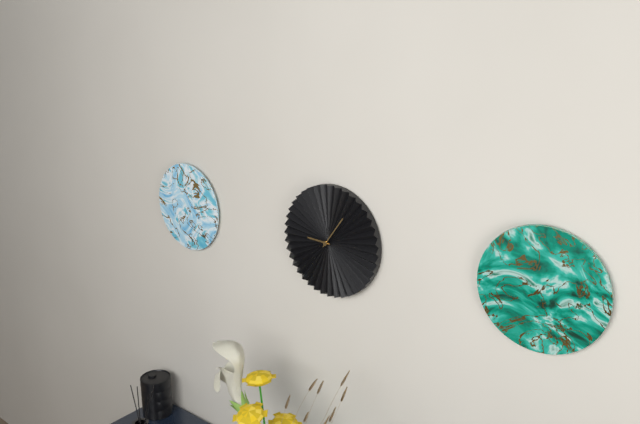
9h06
